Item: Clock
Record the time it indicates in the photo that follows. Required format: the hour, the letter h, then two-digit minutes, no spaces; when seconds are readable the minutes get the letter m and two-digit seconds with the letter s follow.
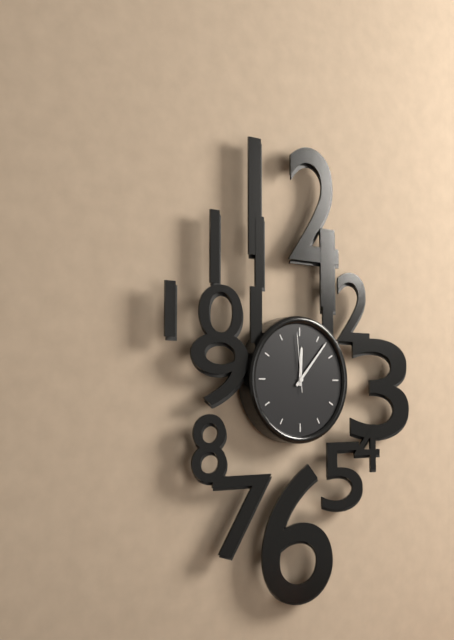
12h07m59s
